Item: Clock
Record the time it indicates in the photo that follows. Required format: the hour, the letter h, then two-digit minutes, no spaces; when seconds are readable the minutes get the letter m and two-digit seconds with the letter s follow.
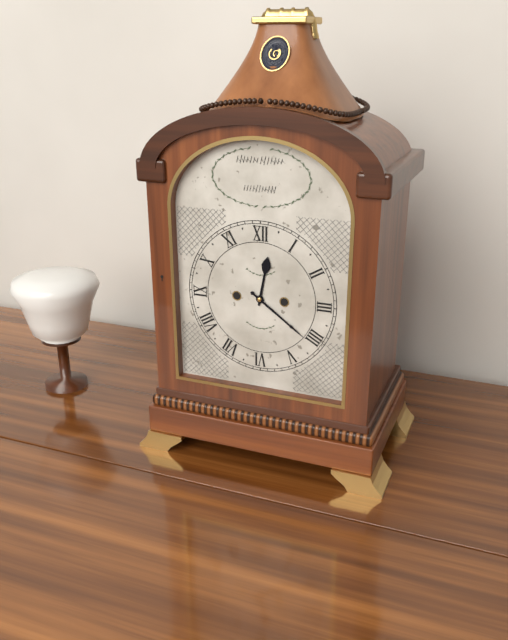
12h21
